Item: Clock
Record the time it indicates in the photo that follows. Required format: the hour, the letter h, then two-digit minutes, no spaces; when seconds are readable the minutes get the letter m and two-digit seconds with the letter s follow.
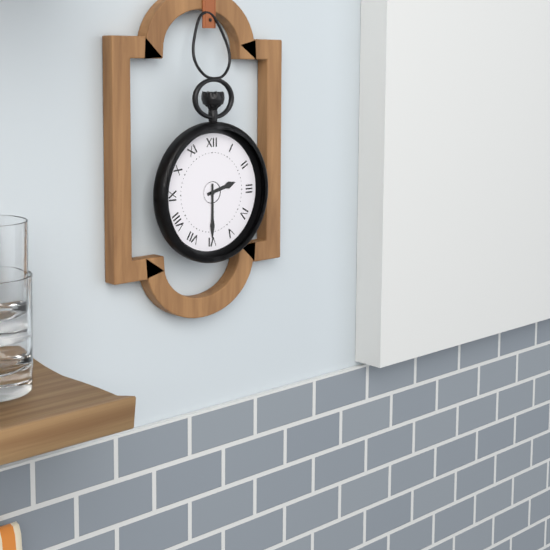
2h30
